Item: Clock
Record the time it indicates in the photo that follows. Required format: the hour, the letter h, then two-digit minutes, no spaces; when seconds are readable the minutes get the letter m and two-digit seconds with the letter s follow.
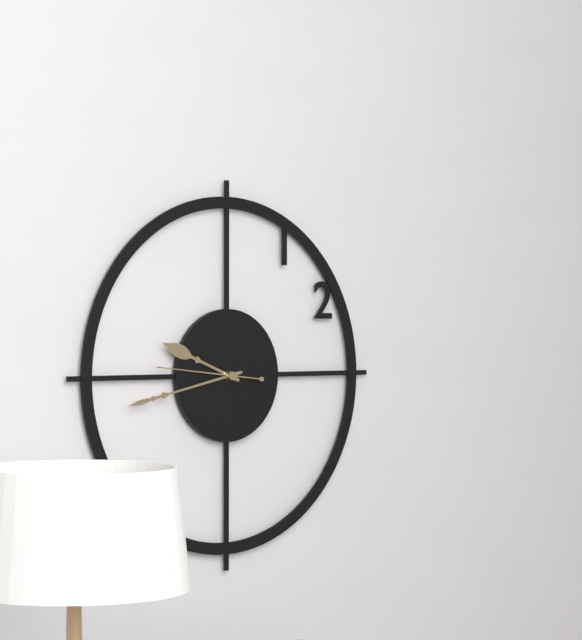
9h43m46s
